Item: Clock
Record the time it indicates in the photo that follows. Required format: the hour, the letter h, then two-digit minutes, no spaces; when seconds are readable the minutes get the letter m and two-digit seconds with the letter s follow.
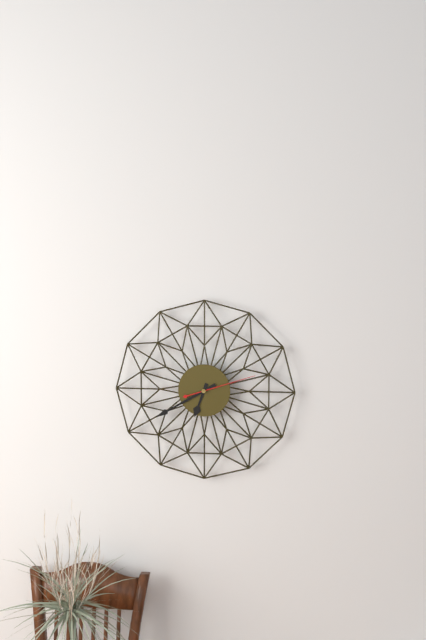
6h40m12s
